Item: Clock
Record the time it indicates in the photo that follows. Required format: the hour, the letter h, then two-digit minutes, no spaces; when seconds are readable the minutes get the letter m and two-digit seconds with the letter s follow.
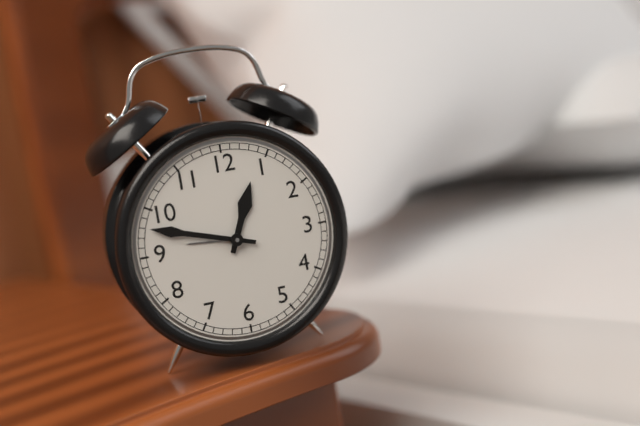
12h48
